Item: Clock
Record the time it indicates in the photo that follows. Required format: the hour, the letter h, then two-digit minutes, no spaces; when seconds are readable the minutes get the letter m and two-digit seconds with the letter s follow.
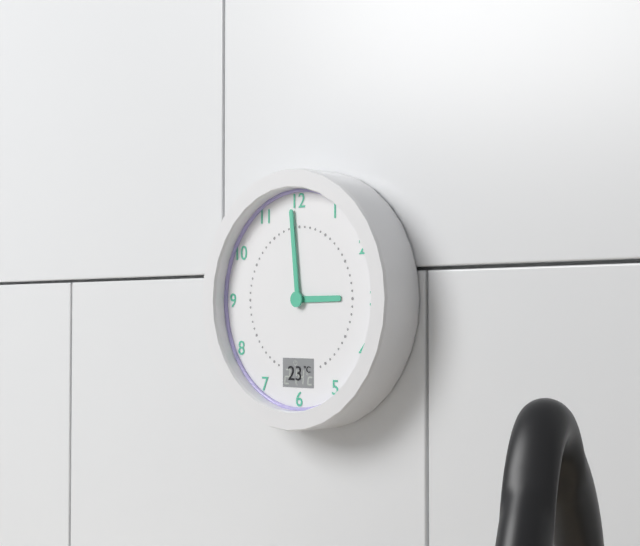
2h59
